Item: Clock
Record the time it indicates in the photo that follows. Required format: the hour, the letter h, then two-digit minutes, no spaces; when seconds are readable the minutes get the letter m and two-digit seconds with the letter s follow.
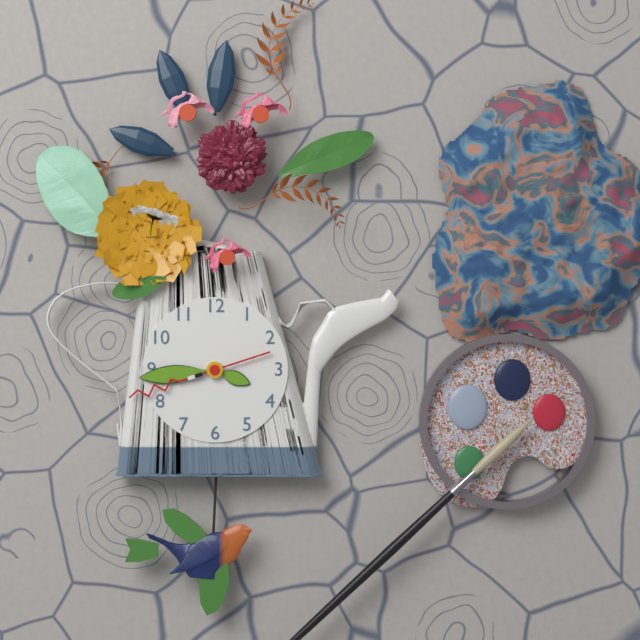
3h44m42s
